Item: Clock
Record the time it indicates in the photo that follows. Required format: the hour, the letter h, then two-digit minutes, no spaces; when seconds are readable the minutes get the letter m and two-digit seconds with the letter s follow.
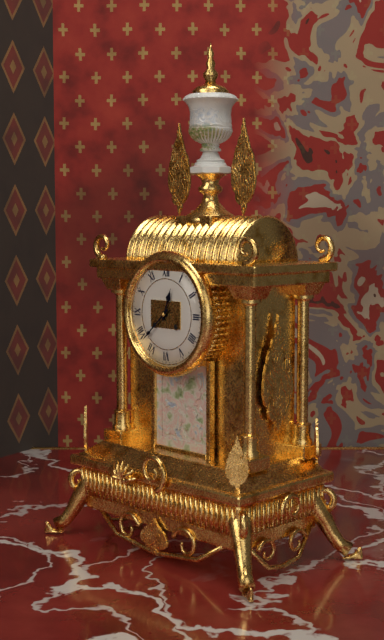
12h38
